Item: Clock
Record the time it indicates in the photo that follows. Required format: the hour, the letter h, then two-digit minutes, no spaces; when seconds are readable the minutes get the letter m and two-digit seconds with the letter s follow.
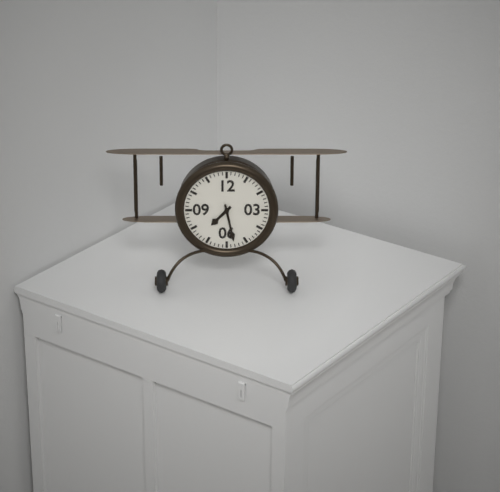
7h28
